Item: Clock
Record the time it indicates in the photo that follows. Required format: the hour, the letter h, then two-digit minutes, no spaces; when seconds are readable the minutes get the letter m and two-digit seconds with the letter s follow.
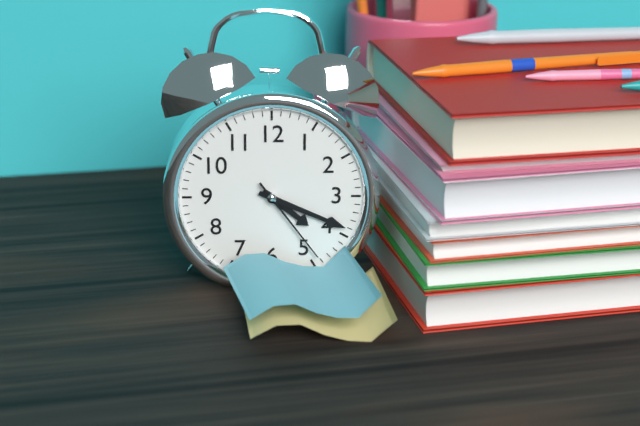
4h19m24s
